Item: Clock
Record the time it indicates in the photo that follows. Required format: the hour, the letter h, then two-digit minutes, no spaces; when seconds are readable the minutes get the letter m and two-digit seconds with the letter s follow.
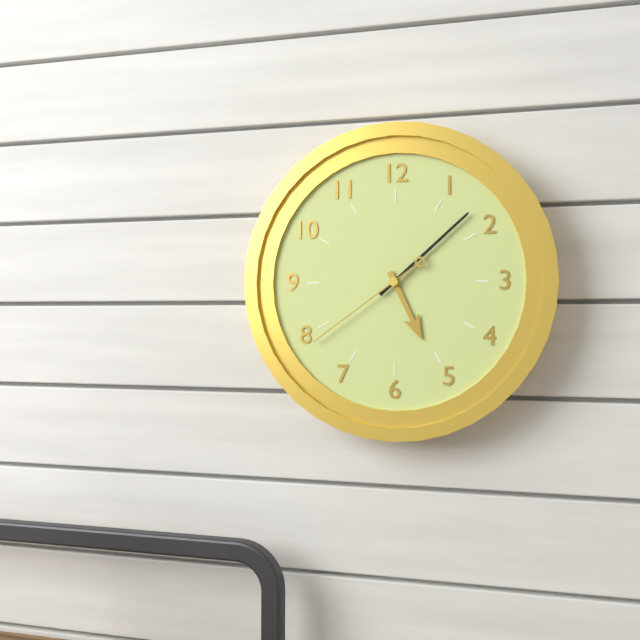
5h08m39s
